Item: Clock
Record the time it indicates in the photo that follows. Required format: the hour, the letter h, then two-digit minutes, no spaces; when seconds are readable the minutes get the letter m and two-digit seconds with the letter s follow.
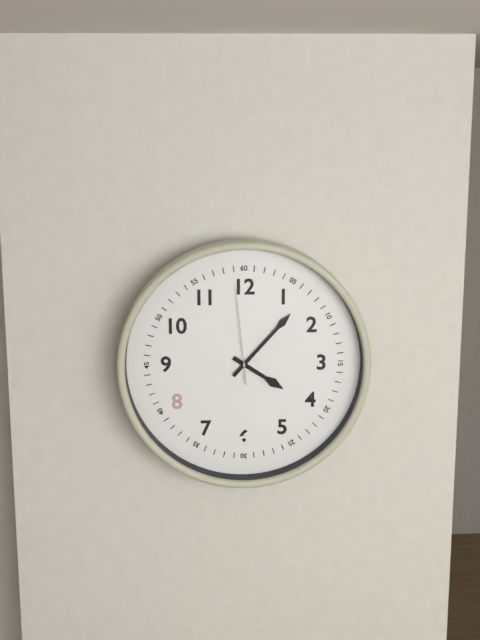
4h07m59s
